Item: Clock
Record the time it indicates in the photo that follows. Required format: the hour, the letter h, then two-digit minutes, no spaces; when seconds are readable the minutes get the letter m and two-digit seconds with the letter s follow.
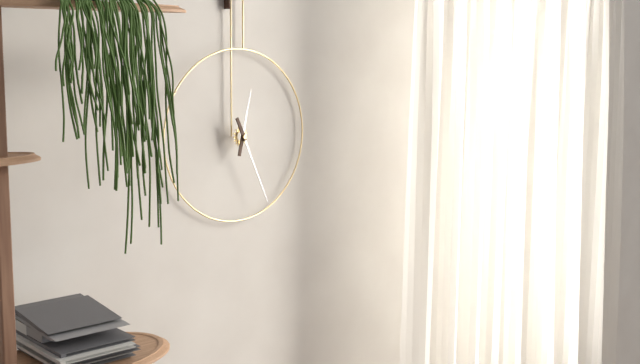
12h26
